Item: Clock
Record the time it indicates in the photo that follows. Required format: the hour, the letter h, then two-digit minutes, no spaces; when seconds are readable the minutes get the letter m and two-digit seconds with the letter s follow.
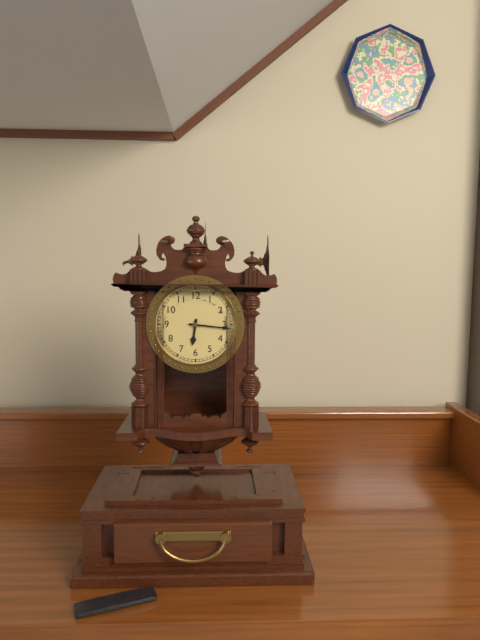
6h16
